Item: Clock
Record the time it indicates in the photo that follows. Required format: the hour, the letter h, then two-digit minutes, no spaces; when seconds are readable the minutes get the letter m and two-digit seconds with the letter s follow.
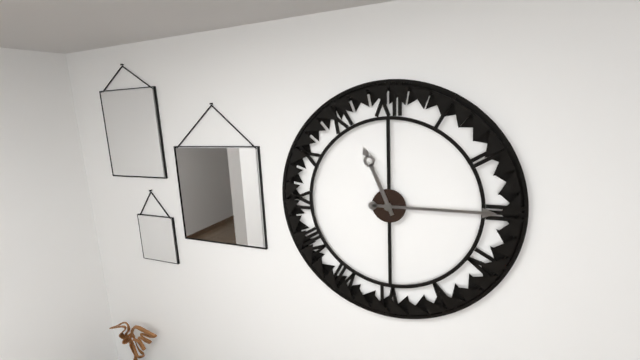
11h15
